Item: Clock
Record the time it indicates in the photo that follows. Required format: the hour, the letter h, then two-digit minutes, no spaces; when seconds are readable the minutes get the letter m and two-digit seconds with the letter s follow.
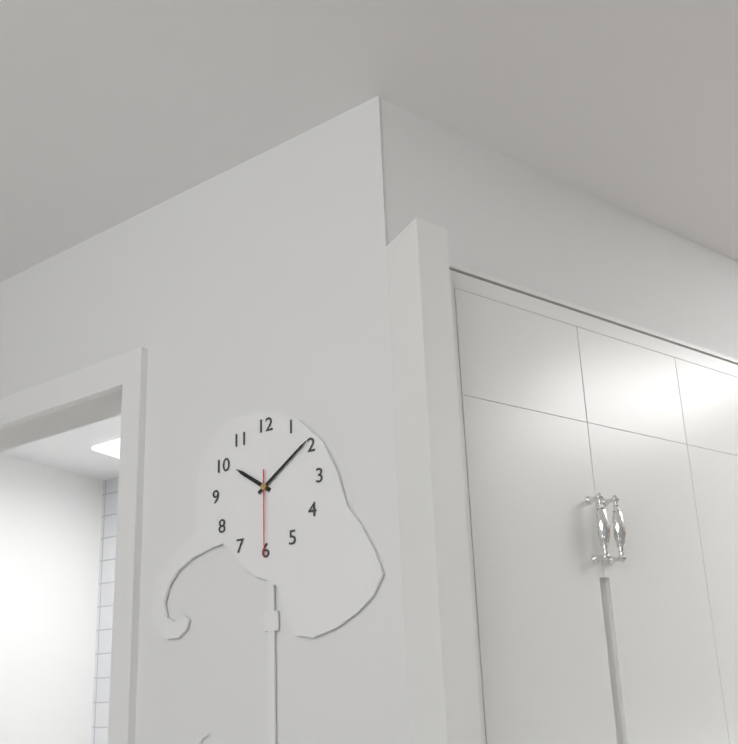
10h09m30s
